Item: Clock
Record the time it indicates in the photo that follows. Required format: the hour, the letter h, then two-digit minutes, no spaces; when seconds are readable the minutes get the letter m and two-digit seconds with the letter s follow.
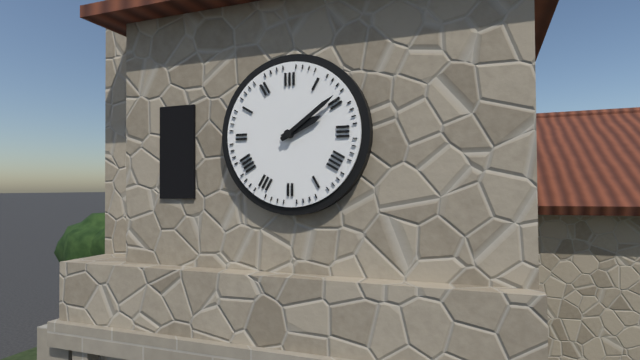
2h09
